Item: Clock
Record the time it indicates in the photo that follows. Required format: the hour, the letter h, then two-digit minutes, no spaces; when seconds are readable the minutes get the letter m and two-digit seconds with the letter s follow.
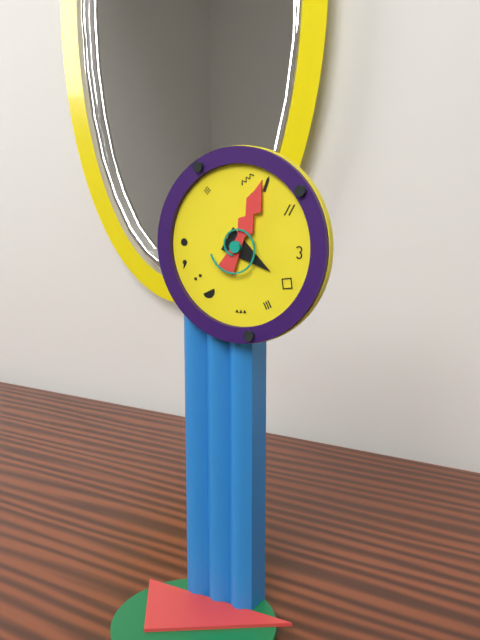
4h04
